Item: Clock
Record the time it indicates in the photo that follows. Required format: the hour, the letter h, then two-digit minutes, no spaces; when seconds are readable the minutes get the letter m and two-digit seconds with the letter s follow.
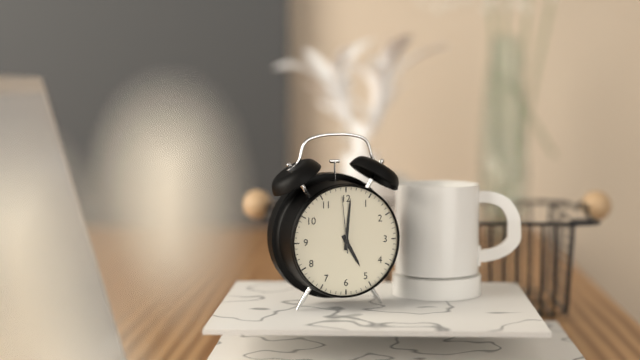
5h01m59s
